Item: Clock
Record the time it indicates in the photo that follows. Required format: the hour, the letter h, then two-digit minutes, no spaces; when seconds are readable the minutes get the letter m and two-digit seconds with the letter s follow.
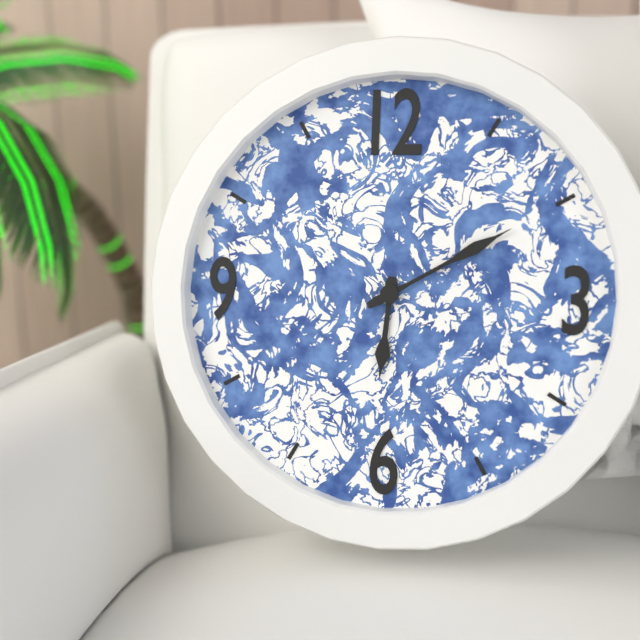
6h10
